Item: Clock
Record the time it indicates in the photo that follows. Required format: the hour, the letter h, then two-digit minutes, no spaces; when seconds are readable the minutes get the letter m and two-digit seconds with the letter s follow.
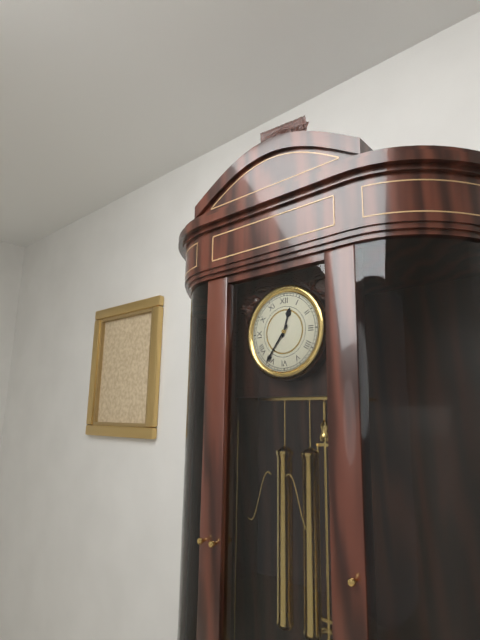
12h36
